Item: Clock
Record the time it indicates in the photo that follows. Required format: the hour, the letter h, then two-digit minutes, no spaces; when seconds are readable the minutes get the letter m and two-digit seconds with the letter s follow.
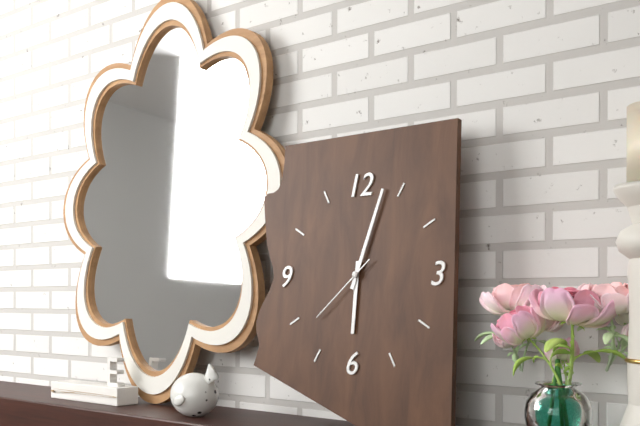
6h03m38s
